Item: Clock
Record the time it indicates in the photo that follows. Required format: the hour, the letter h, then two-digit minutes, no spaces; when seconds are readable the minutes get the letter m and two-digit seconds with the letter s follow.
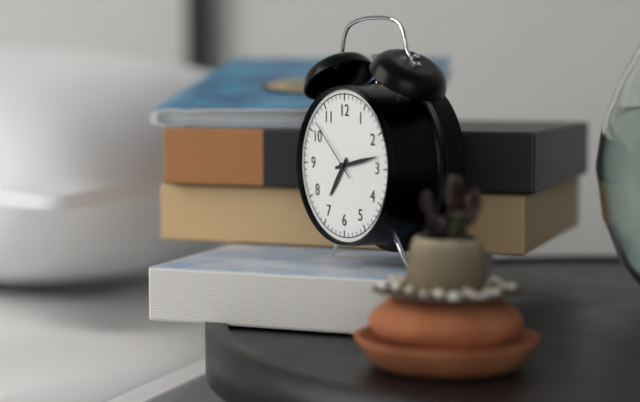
7h13m52s
